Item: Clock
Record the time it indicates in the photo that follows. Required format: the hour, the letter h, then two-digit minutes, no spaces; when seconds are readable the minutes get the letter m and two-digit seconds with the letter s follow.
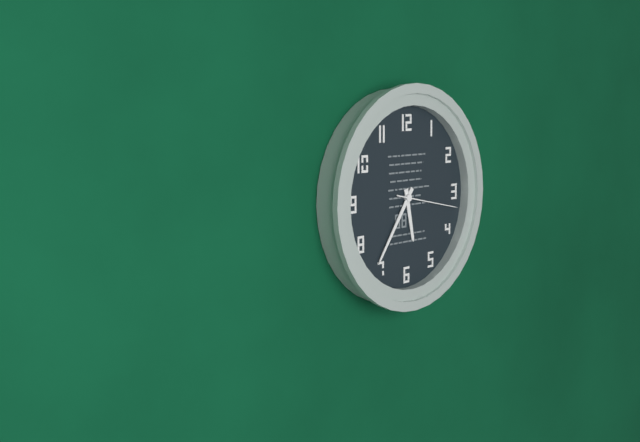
5h36m17s
